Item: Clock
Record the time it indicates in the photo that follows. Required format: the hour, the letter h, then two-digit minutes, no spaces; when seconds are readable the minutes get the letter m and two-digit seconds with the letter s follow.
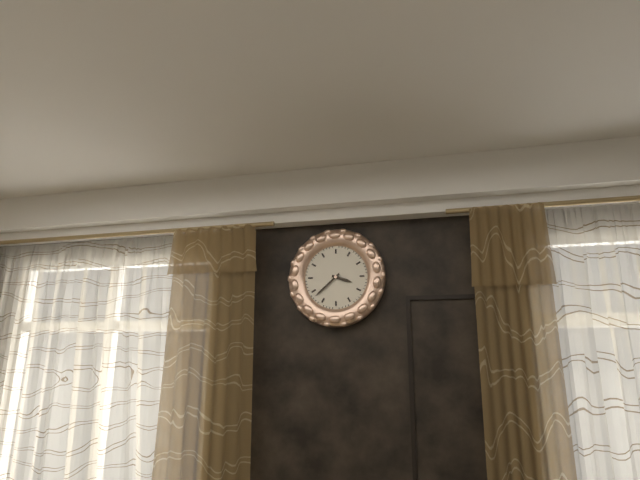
3h38
